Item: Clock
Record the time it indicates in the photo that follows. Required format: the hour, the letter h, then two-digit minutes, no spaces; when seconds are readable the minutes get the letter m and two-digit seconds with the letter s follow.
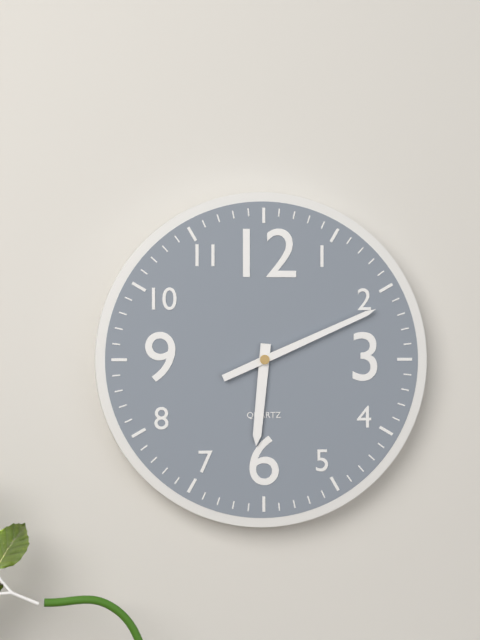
6h11
